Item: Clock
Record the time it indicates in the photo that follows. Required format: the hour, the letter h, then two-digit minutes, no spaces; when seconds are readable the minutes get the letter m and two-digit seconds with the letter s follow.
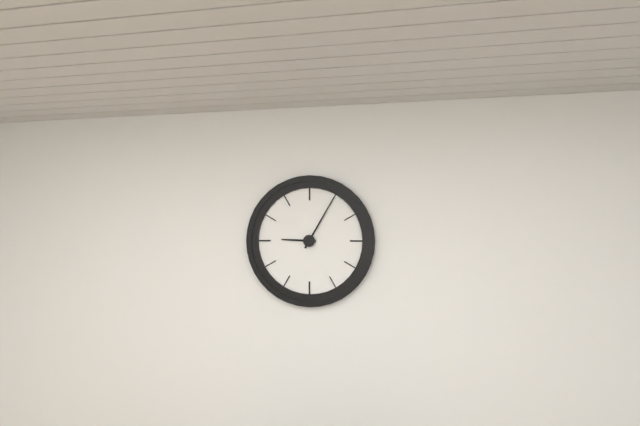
9h05
